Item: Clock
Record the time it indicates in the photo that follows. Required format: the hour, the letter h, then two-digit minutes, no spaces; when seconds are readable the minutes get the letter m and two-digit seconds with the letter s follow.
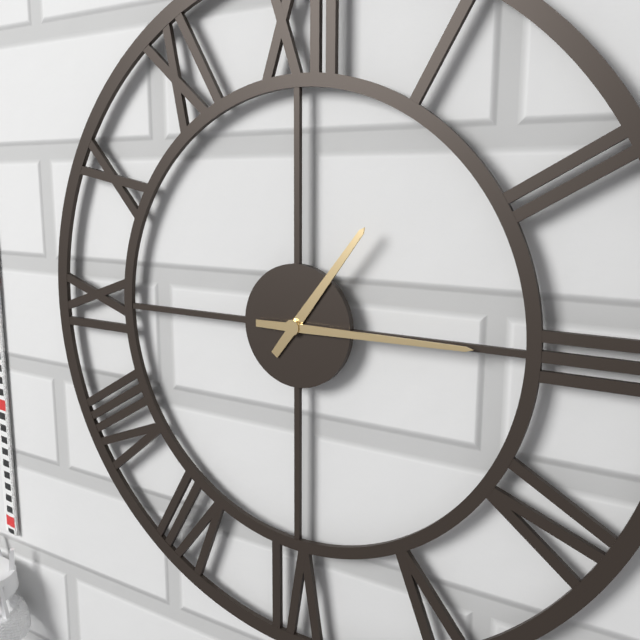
1h15
